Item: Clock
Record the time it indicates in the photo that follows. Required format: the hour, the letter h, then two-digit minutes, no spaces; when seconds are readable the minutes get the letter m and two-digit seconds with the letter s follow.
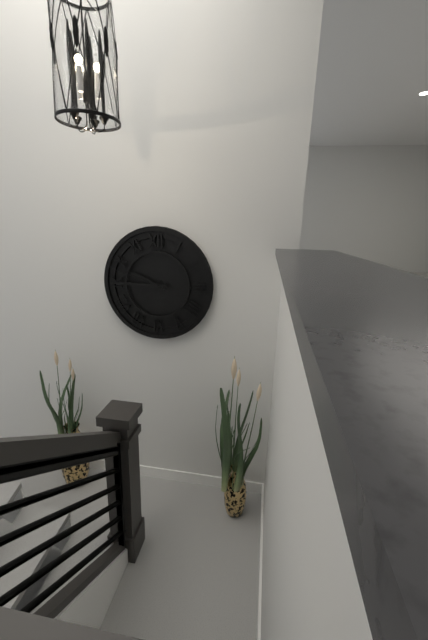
9h45m48s
